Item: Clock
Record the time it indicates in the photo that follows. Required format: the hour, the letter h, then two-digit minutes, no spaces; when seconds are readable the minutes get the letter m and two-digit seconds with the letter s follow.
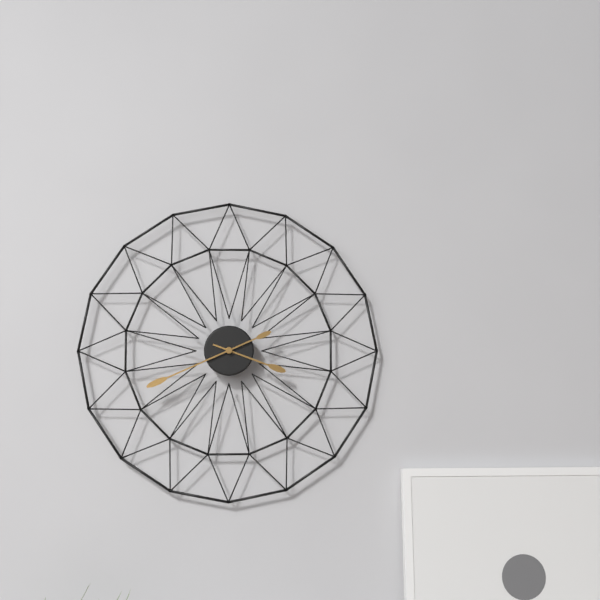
3h41
